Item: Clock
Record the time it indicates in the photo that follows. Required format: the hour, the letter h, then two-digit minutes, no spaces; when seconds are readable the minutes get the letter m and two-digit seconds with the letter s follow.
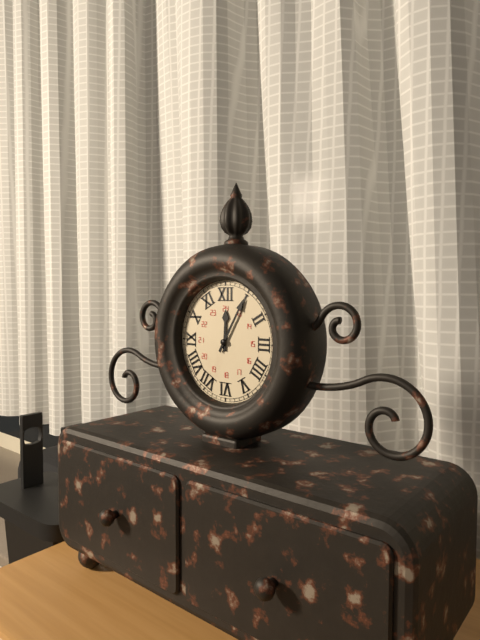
12h05
